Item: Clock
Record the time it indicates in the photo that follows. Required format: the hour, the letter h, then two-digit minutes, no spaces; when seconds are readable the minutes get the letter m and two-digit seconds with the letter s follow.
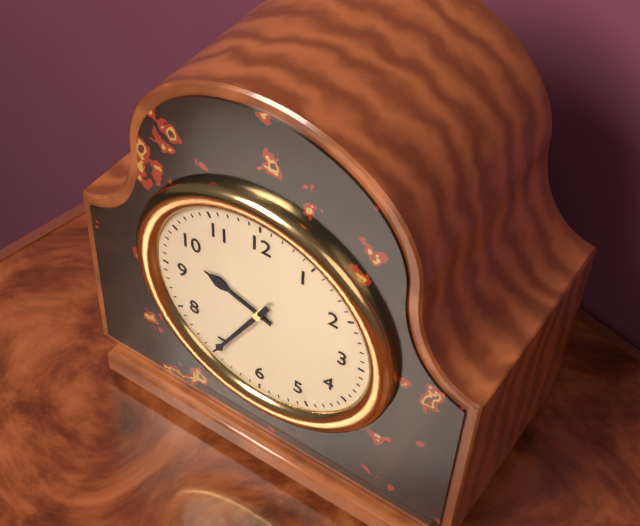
9h35
